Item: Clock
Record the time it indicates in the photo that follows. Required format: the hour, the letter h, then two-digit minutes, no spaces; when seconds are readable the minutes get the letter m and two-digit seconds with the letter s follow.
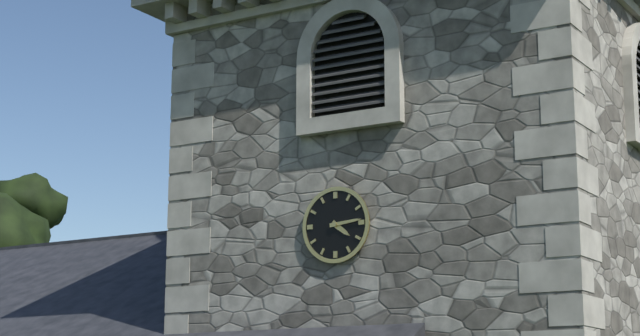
4h14
